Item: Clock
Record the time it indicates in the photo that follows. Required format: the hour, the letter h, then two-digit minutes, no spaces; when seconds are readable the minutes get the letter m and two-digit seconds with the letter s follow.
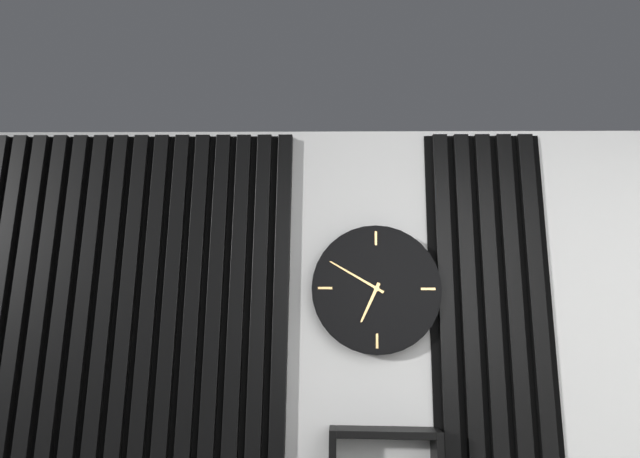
6h50
